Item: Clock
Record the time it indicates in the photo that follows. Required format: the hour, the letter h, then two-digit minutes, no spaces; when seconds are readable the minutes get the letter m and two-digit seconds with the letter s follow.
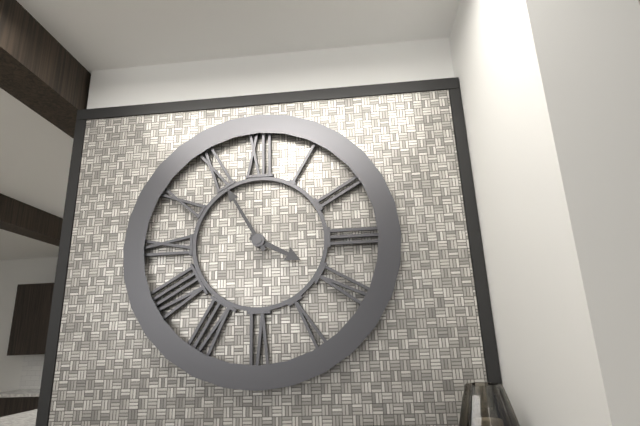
3h55
